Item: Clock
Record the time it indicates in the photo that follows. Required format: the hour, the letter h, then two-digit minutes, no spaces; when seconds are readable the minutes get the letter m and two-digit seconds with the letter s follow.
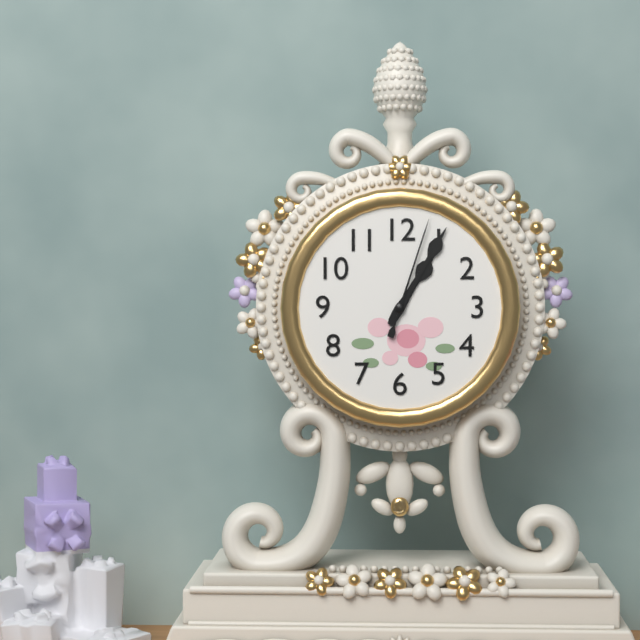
1h05m03s
